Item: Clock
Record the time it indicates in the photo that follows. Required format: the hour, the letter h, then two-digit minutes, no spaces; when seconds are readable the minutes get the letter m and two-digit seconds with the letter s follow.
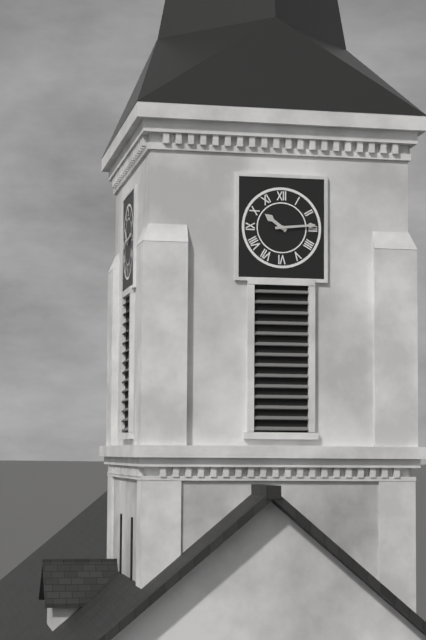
10h14
